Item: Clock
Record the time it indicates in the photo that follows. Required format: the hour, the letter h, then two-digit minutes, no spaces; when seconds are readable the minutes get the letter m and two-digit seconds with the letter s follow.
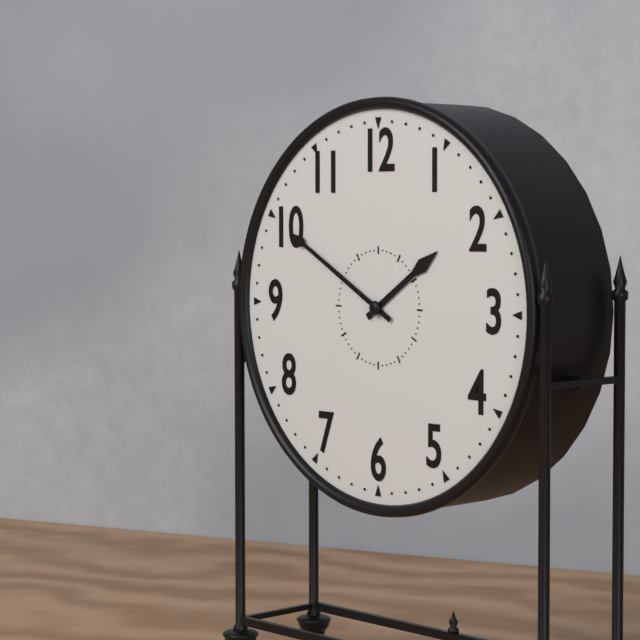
1h50
